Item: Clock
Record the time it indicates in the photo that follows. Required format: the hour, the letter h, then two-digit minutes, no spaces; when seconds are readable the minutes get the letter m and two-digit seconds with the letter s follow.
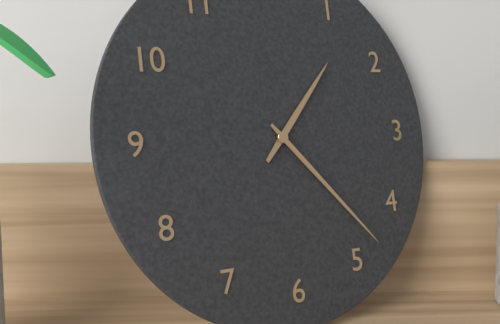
1h23
